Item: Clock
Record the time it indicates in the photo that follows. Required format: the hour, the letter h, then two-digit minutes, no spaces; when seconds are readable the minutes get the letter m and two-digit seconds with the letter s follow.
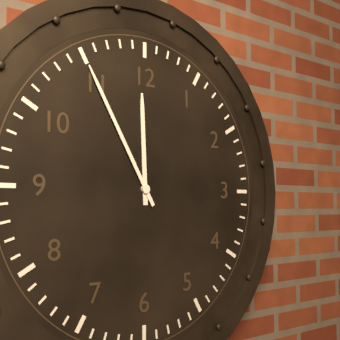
11h55
